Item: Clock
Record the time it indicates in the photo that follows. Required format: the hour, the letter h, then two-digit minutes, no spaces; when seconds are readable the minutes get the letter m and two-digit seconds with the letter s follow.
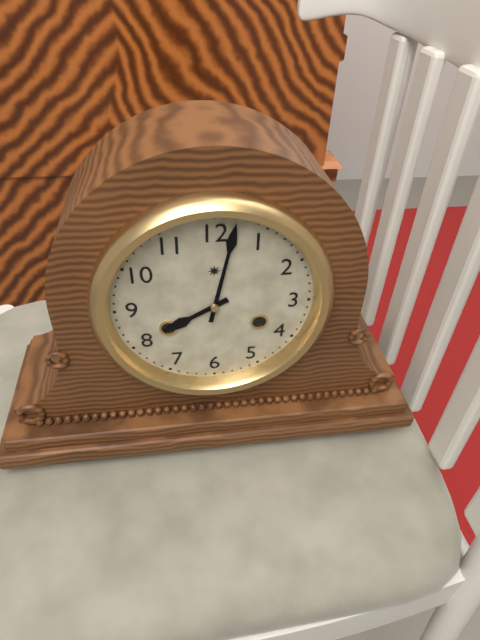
8h02
